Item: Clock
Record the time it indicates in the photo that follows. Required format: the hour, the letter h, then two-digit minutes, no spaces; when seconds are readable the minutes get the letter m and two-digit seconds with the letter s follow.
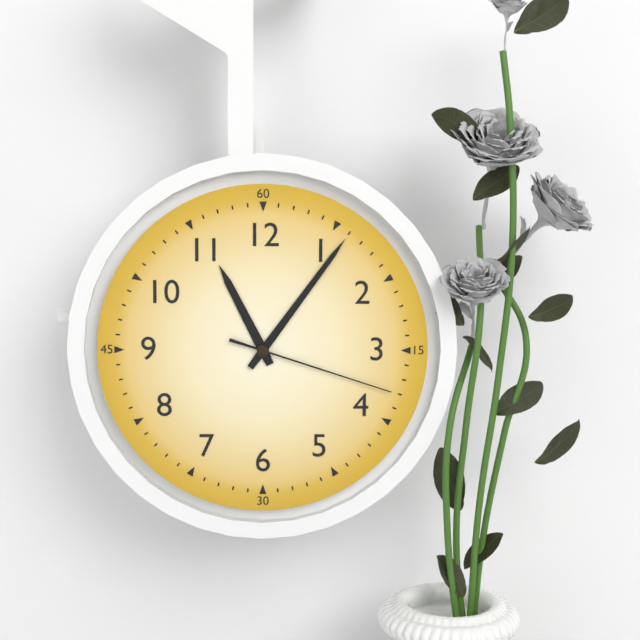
11h06m18s
